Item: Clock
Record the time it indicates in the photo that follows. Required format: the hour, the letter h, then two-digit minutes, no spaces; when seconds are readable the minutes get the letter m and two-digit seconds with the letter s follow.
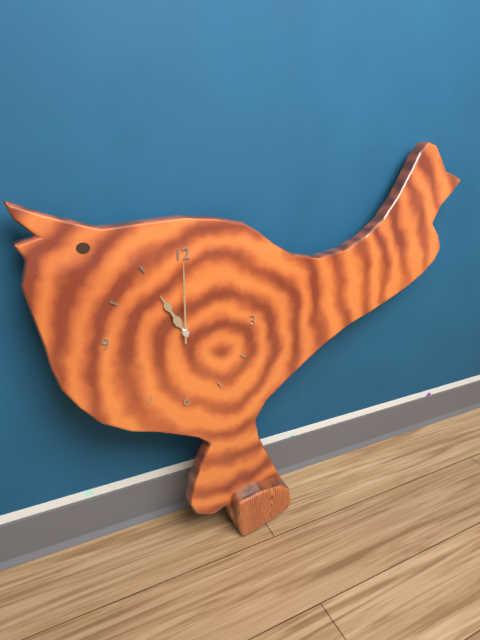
11h00
